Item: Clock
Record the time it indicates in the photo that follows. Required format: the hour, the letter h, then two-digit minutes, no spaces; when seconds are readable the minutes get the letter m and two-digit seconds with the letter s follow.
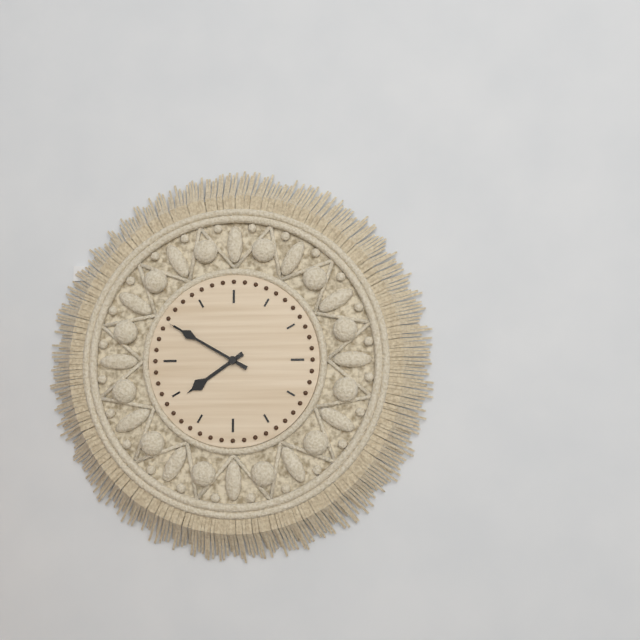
7h50
